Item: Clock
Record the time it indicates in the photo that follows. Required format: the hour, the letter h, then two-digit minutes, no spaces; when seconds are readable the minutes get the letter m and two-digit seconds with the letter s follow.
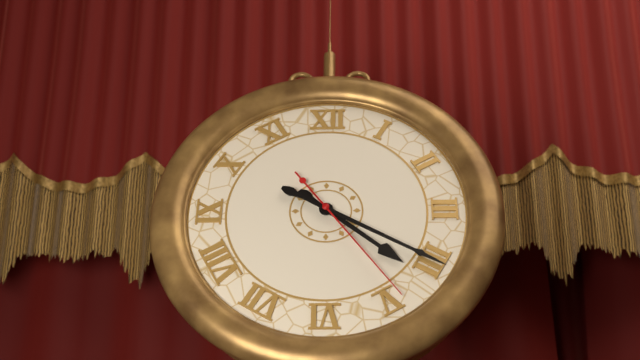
4h20m24s
